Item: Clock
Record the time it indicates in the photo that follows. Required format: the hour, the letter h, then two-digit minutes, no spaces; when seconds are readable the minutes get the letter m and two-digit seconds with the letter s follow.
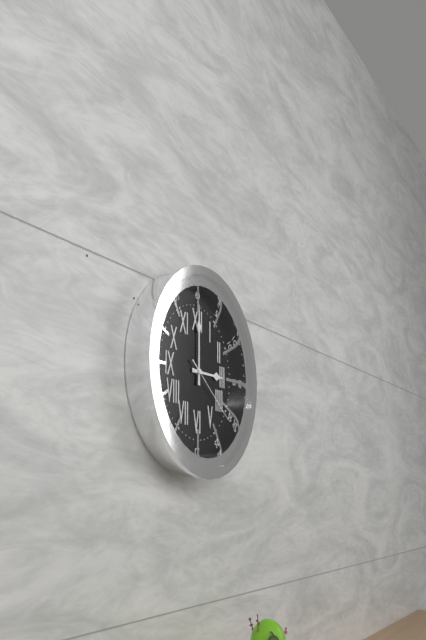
3h00m21s
